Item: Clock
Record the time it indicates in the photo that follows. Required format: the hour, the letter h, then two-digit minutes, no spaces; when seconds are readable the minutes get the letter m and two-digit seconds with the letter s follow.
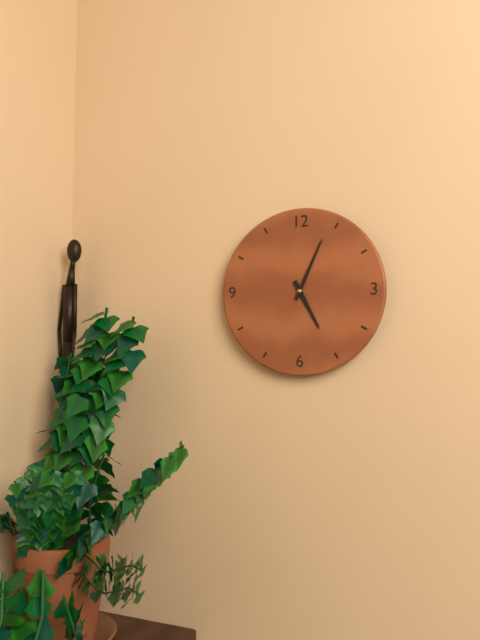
5h04
